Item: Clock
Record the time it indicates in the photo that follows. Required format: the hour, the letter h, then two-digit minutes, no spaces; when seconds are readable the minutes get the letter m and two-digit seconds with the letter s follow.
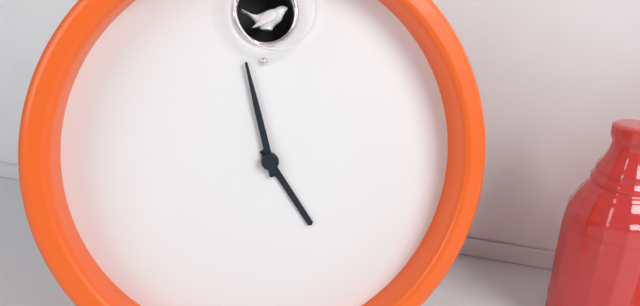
4h58
